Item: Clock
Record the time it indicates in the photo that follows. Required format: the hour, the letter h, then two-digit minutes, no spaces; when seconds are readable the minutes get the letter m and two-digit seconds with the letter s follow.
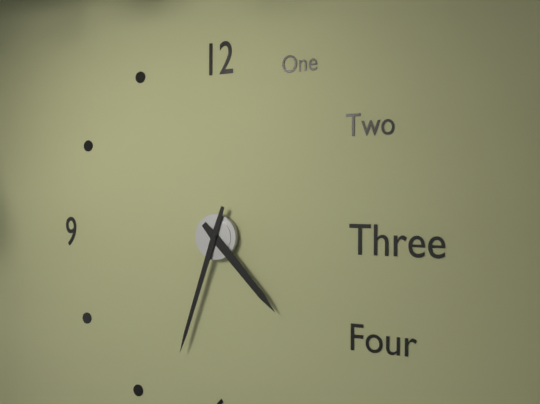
4h33
